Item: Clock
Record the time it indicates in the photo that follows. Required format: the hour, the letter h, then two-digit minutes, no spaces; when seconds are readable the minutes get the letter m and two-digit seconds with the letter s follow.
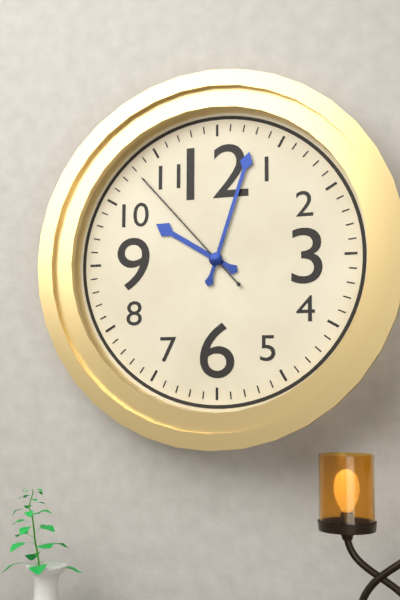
10h03m53s
